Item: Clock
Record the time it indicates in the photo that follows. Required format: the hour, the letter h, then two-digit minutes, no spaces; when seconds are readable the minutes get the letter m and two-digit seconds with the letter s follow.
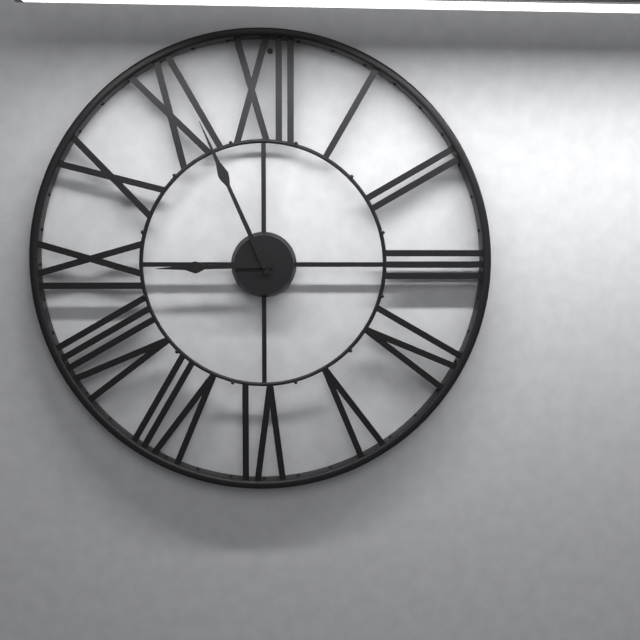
8h56
